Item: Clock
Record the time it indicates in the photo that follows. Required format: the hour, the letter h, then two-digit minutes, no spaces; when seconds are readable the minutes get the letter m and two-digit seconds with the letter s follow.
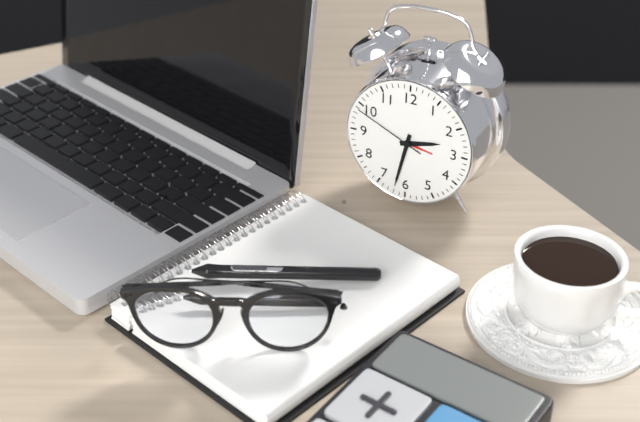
2h32m49s
